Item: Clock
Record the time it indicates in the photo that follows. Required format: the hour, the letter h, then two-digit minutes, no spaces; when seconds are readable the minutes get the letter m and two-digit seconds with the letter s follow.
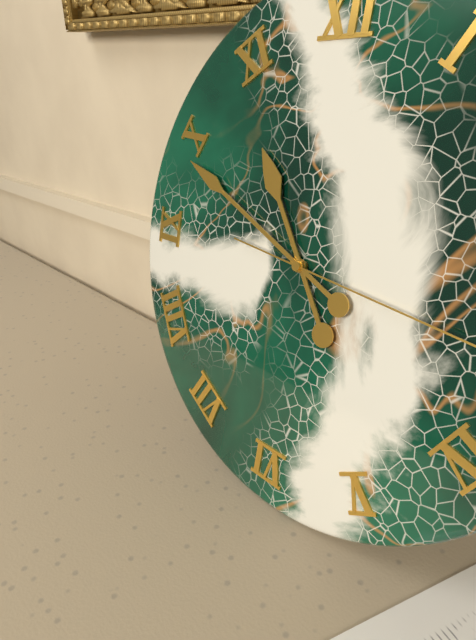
10h49
